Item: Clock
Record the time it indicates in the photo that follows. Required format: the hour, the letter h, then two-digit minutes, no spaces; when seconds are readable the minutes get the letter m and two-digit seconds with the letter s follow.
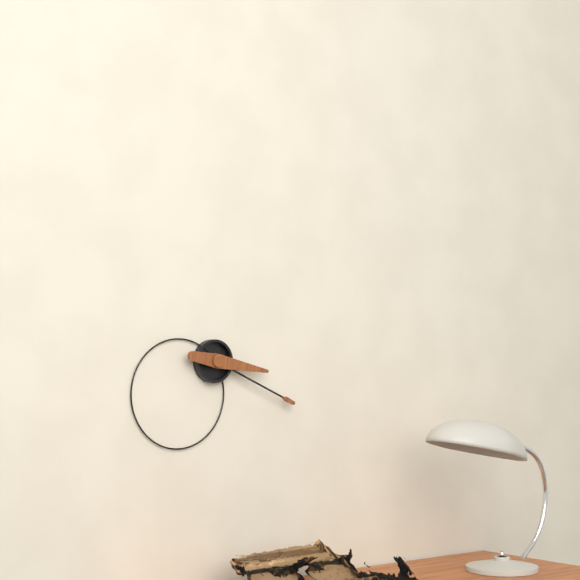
3h19
